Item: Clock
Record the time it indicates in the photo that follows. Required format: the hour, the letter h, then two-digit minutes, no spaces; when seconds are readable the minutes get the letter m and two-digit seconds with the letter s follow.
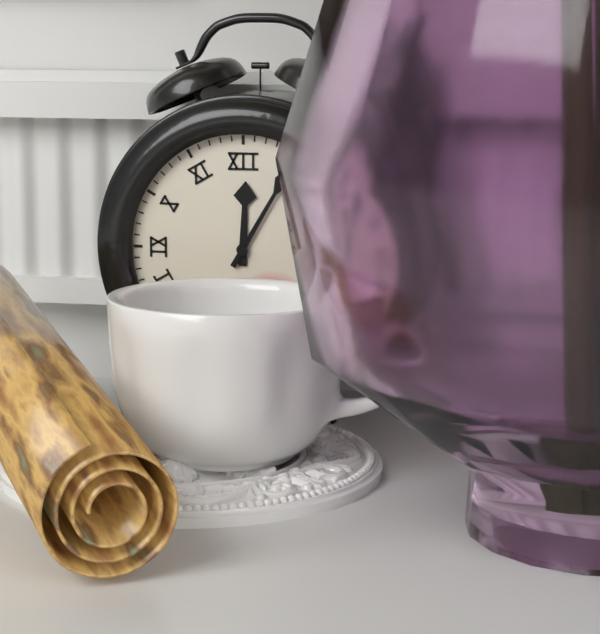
12h05
